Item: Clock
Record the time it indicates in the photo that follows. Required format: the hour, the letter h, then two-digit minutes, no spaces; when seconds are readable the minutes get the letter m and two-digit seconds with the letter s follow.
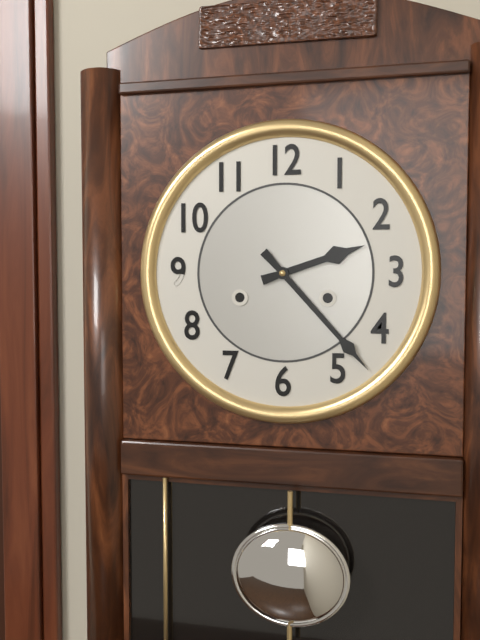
2h23
